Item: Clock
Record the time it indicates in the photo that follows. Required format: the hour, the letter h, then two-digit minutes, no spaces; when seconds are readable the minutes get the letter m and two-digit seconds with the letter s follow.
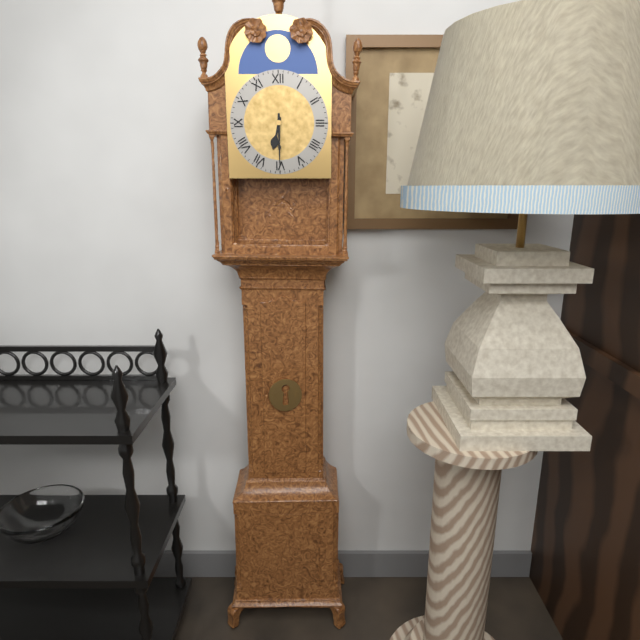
6h30
